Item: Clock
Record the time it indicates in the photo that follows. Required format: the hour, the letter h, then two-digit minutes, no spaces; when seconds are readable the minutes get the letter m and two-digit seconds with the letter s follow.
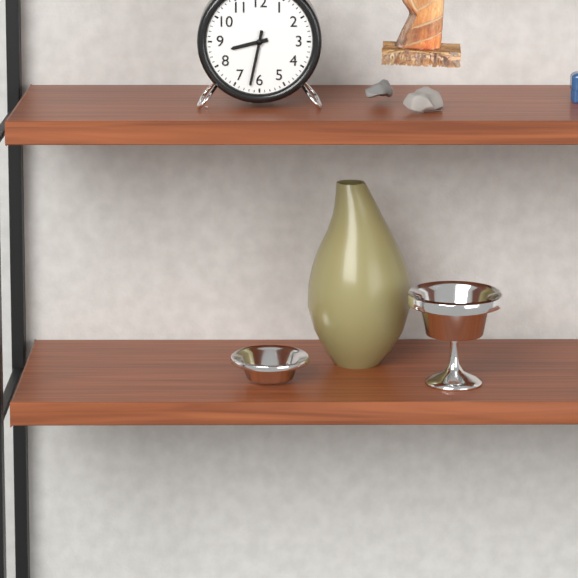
8h32
